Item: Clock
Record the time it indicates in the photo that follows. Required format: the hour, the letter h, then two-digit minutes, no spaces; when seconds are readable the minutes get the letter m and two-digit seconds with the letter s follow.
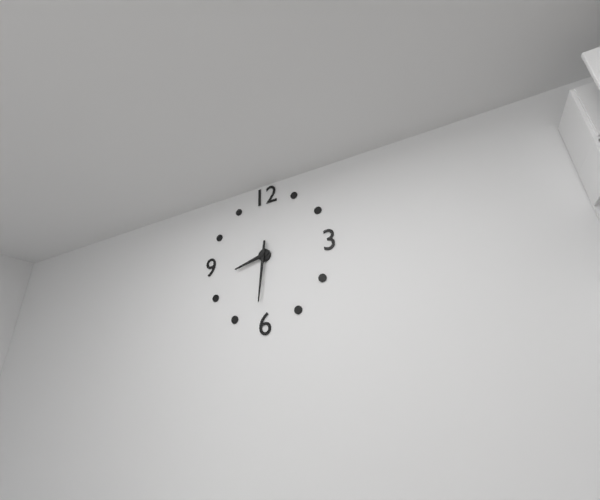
8h31
